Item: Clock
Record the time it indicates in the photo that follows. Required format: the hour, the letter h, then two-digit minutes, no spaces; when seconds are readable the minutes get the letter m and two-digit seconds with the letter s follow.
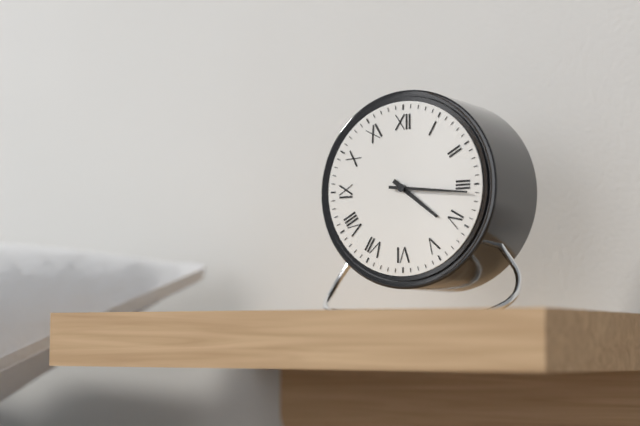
4h16
